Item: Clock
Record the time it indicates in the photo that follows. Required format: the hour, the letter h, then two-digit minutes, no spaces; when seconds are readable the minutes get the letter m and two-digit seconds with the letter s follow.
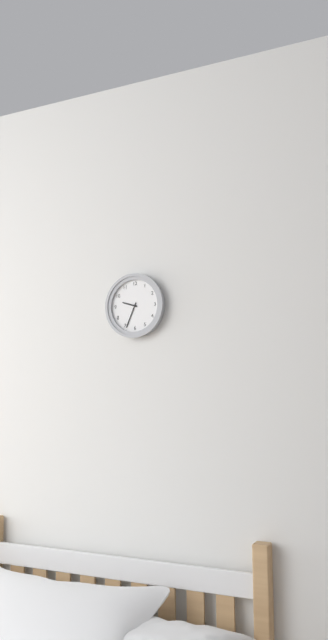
9h34
